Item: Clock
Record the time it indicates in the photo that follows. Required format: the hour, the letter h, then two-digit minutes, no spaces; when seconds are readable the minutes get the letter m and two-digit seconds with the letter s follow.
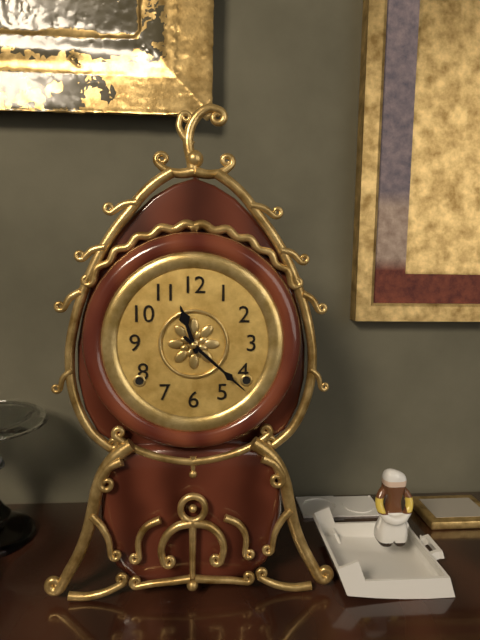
11h22
